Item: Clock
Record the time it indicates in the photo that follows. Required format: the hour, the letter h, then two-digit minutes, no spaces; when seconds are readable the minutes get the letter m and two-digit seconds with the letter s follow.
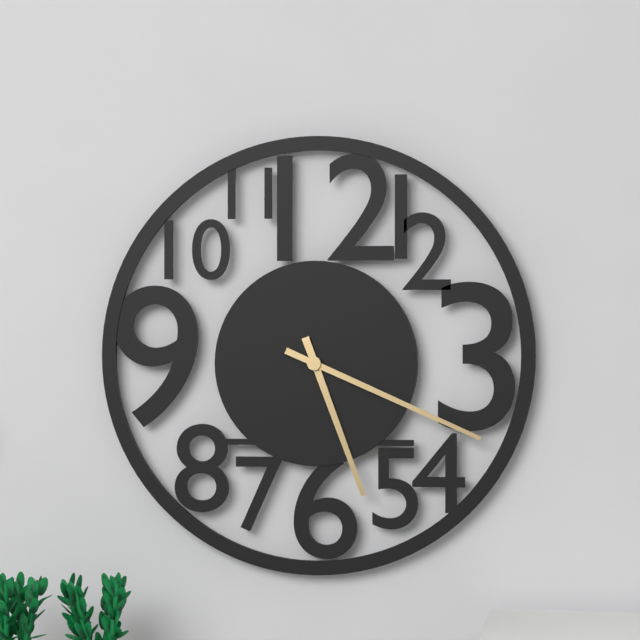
5h19
